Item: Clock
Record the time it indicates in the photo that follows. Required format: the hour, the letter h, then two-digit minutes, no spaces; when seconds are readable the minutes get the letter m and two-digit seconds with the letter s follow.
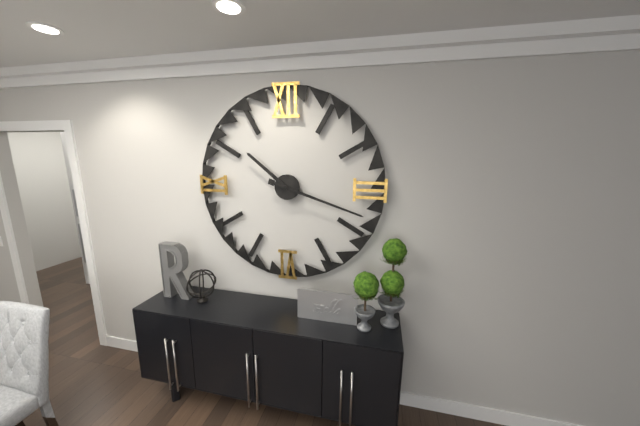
10h18
